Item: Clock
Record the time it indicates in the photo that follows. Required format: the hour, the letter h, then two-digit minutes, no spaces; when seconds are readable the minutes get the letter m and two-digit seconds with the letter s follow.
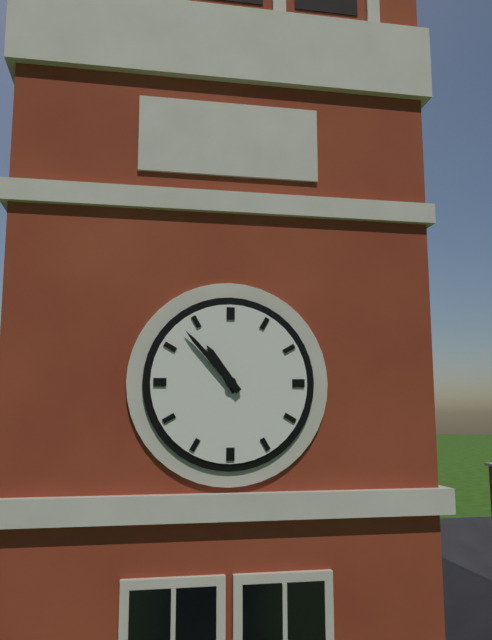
10h53
